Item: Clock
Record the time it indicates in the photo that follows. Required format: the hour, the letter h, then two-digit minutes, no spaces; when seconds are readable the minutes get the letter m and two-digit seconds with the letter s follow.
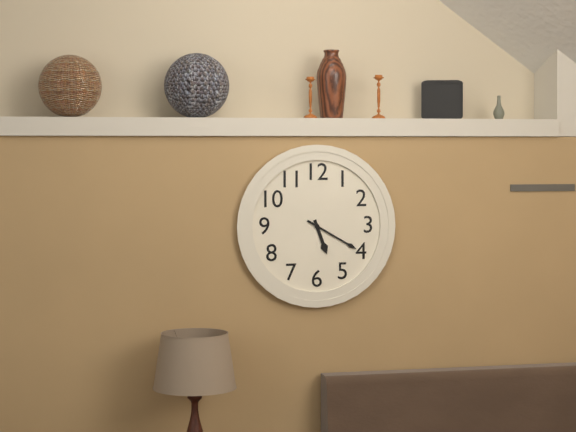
5h20
